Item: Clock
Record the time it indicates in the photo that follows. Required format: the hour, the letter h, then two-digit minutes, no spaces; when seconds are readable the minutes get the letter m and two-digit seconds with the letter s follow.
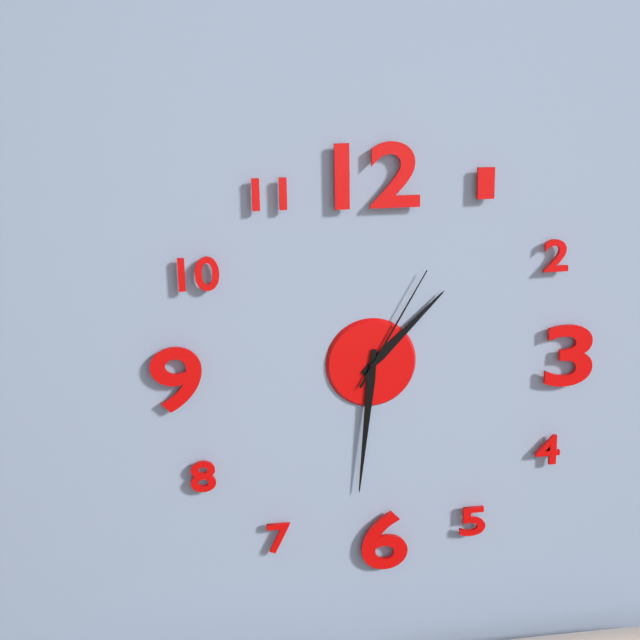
1h31m05s
